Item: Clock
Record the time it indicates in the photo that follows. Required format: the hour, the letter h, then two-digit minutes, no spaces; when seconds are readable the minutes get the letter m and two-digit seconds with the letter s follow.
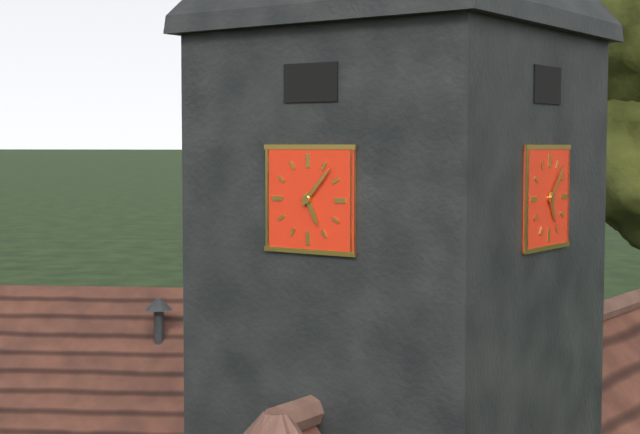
5h07
